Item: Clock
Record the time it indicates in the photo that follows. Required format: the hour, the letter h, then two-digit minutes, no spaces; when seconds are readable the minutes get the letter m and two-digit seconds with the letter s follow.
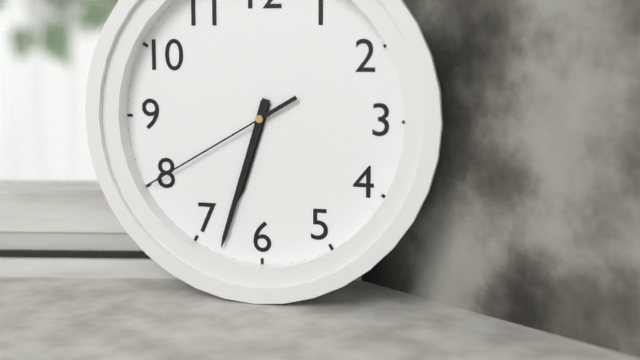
6h33m40s
